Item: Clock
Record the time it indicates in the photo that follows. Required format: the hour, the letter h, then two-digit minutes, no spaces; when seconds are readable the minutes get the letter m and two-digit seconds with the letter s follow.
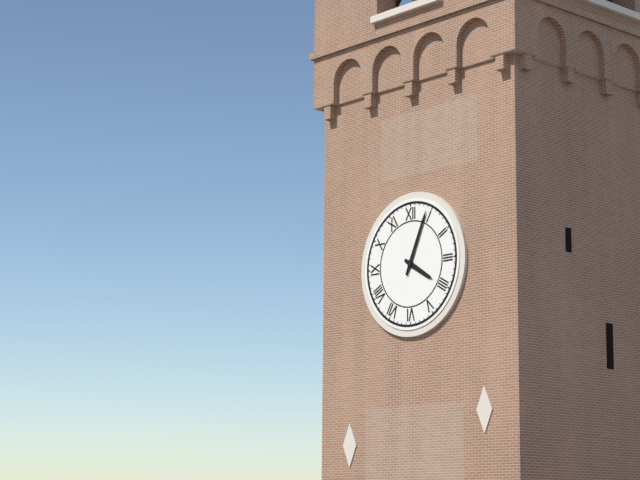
4h04
